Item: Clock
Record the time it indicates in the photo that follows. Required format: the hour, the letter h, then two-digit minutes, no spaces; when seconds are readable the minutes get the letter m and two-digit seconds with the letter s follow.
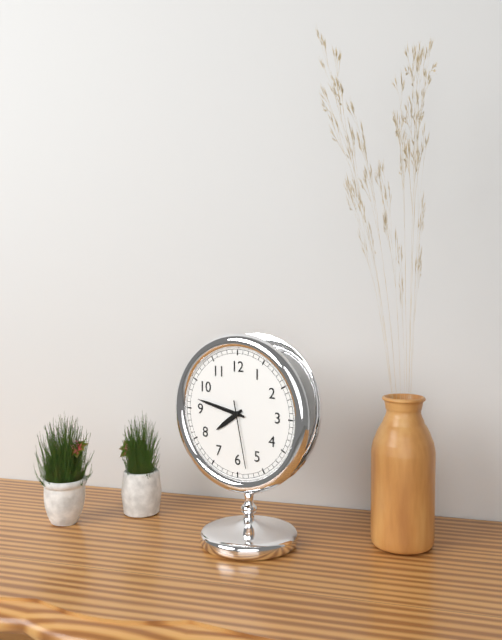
7h47m28s
